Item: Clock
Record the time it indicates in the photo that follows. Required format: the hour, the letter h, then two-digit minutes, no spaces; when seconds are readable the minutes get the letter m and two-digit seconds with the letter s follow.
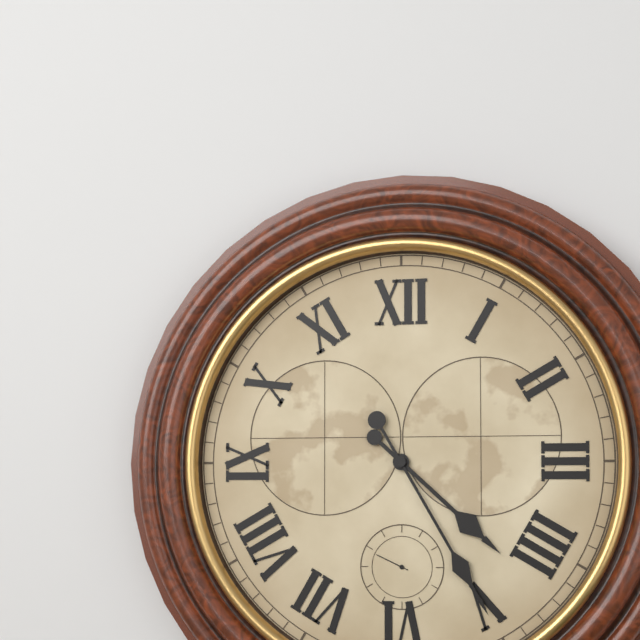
4h25
